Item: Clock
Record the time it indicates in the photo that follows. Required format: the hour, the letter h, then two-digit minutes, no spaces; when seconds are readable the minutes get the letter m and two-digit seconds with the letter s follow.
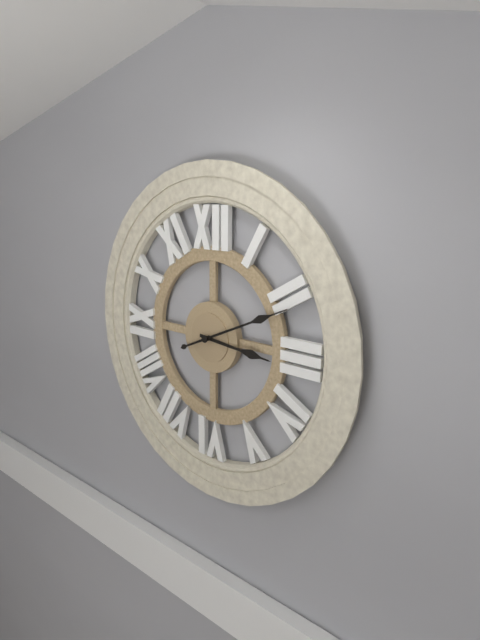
3h11
